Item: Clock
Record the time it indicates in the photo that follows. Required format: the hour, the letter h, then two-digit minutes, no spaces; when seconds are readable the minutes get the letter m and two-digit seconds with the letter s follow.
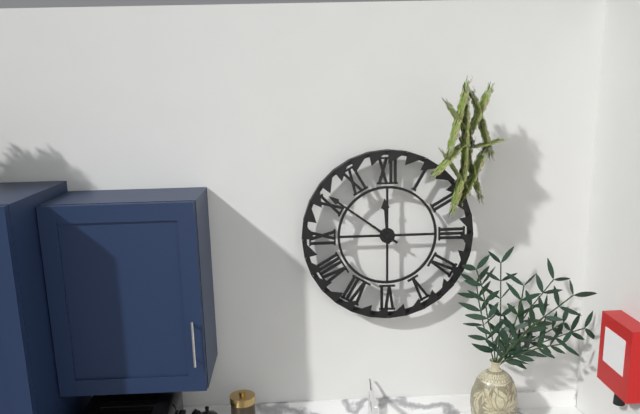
11h51
